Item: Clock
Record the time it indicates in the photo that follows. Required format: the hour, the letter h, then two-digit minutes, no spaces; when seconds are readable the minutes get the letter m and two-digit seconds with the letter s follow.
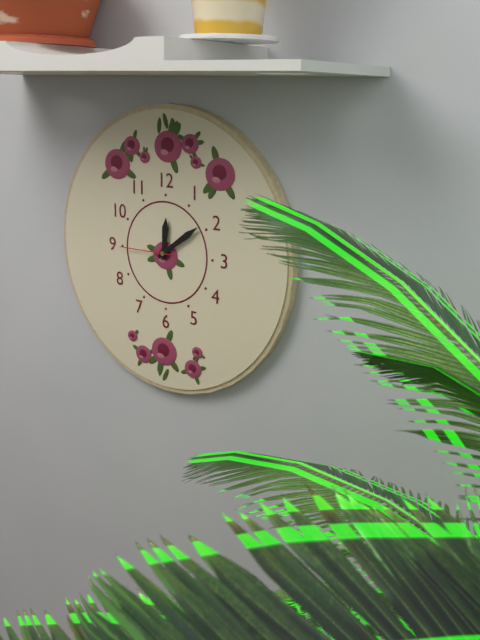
12h09m45s
